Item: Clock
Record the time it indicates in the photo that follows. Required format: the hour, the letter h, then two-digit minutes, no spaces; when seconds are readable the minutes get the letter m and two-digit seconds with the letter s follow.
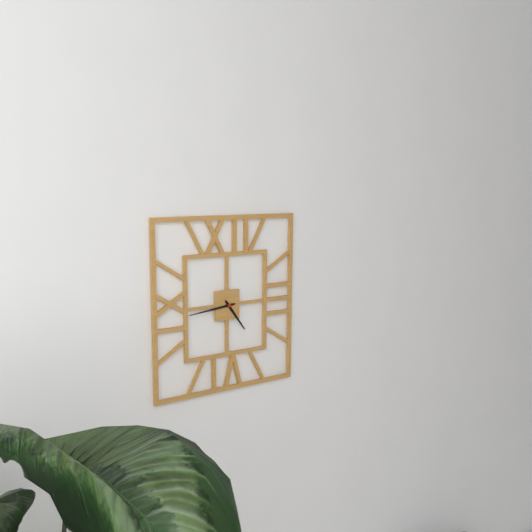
4h44
